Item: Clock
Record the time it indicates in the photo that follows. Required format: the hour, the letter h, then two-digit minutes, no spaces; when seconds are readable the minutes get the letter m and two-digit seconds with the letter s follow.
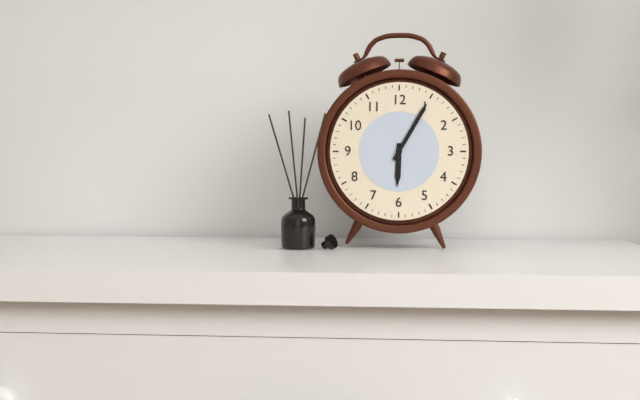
6h05
